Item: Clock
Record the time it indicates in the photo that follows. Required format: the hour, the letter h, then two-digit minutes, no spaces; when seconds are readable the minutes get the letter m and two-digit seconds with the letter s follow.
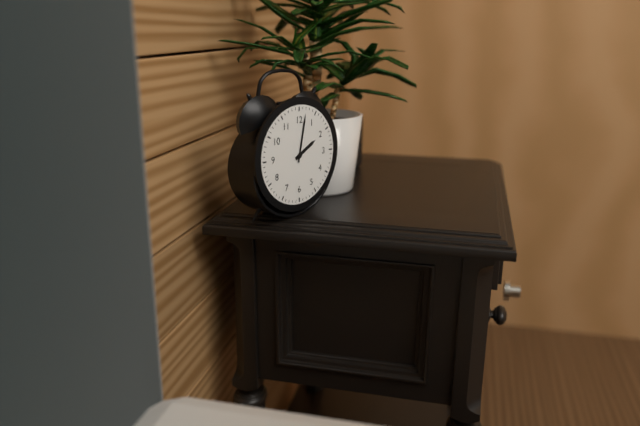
2h02
